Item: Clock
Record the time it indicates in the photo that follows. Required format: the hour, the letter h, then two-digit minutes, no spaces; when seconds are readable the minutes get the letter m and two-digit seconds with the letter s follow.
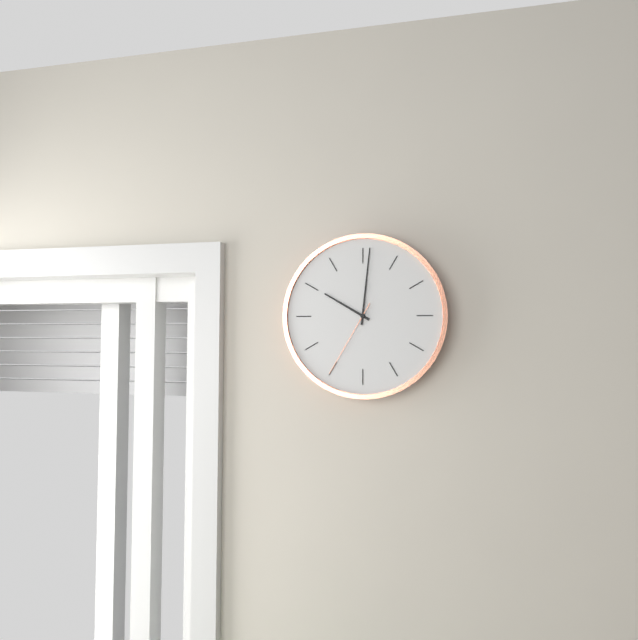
10h01m35s
